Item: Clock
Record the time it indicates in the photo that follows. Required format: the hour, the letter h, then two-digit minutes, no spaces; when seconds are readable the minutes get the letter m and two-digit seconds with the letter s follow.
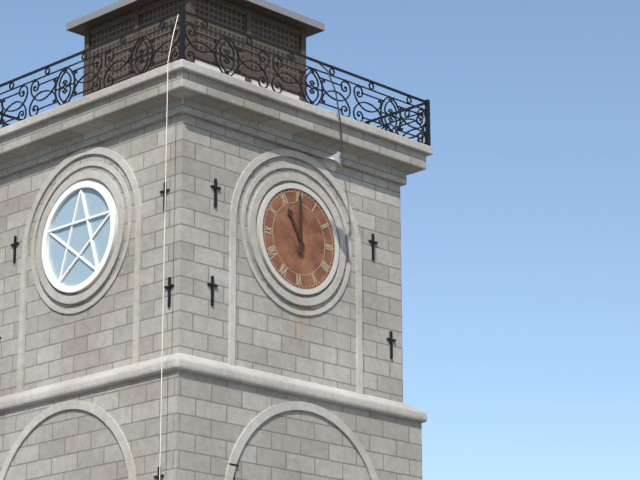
11h00
